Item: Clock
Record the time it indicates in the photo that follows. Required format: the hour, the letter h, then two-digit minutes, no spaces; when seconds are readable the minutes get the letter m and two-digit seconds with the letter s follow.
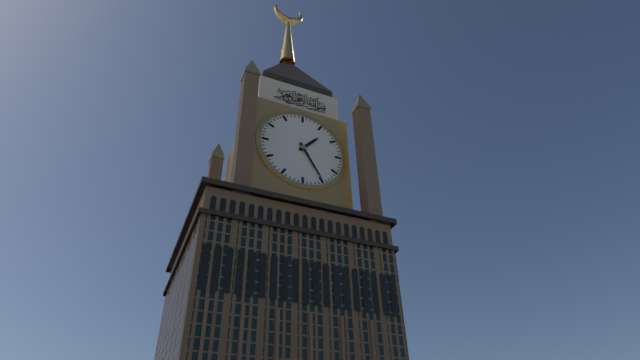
1h25
